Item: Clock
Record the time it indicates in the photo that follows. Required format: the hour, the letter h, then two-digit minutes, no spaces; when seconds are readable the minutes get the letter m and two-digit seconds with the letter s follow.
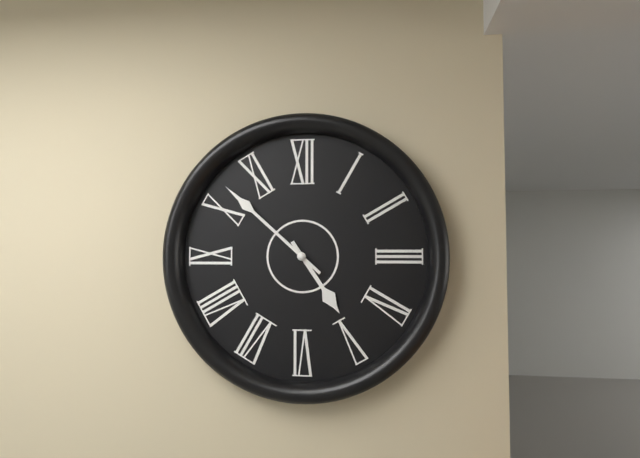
4h52
